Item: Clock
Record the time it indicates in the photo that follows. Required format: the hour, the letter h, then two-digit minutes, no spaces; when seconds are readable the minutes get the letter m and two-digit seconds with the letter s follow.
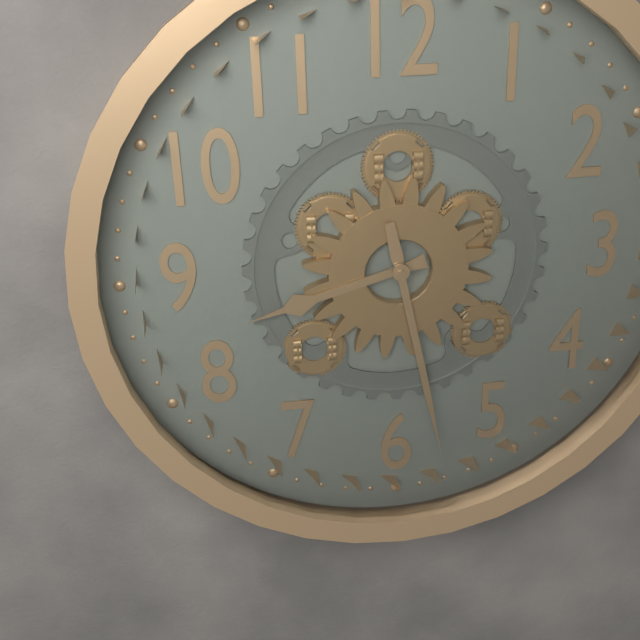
8h28
